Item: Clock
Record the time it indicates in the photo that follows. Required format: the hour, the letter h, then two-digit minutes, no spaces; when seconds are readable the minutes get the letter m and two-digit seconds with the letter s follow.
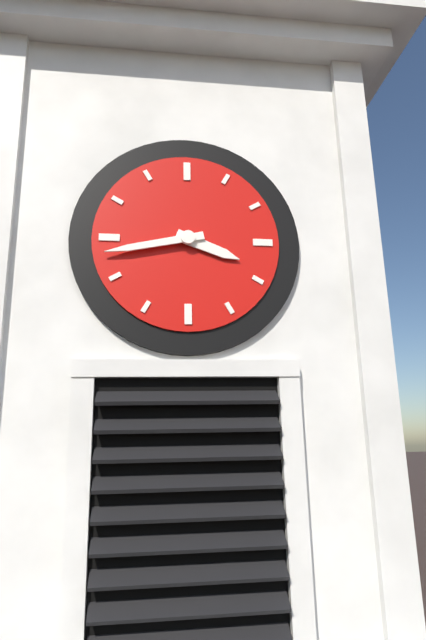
3h43
